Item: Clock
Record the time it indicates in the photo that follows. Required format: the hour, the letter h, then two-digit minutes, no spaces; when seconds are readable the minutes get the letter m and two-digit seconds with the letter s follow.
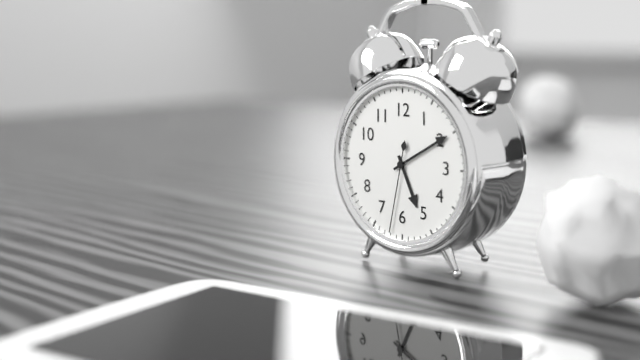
5h10m32s
